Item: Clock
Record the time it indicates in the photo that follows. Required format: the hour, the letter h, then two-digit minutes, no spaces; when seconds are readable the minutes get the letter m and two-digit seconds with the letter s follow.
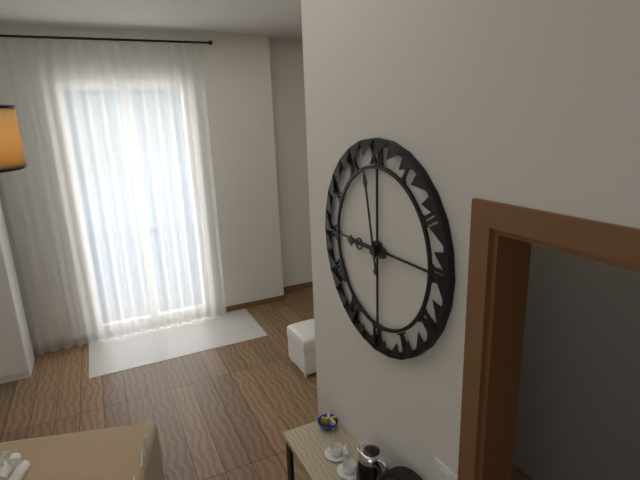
8h58
